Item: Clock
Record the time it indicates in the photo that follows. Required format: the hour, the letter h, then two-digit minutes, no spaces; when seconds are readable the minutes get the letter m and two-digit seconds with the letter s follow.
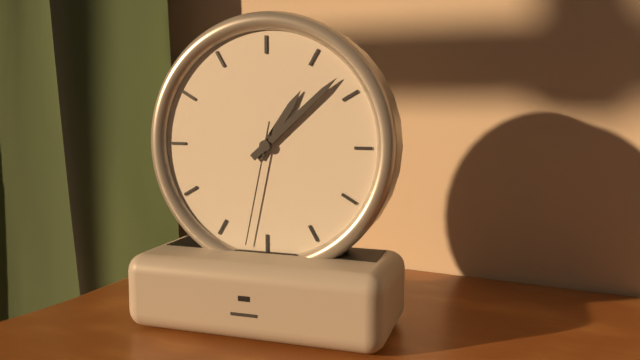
1h08m32s
